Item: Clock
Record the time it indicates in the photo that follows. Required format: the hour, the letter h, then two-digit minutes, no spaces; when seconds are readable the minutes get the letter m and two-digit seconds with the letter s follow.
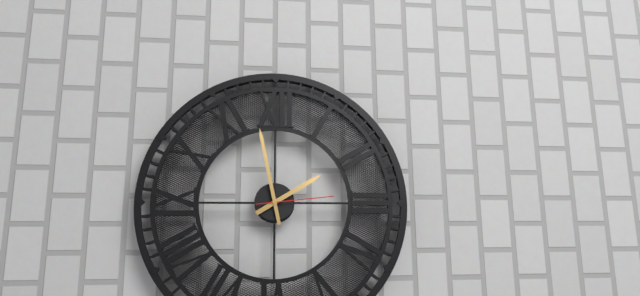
1h58m14s
